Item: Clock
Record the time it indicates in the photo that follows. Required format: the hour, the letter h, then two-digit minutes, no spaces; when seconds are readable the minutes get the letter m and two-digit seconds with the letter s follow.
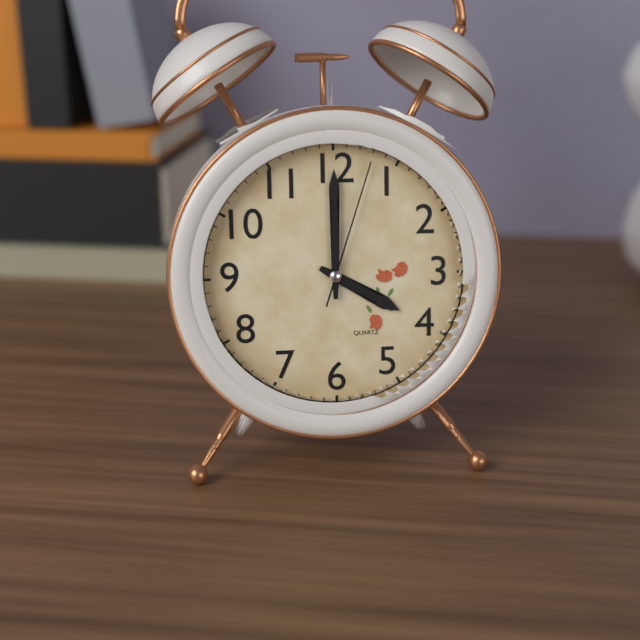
4h00m03s
